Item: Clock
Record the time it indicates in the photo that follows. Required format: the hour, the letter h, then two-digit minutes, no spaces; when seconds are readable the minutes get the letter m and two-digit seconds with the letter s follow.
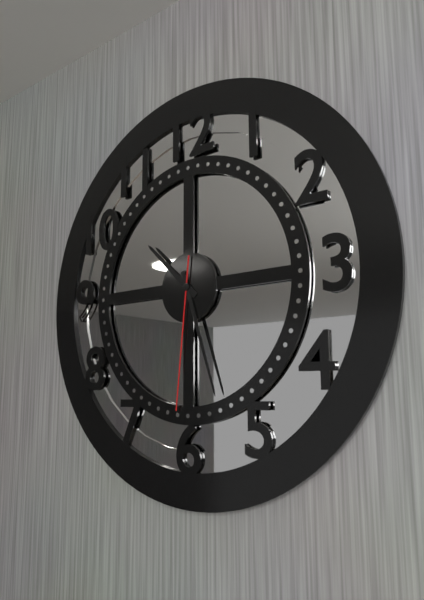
10h27m31s
